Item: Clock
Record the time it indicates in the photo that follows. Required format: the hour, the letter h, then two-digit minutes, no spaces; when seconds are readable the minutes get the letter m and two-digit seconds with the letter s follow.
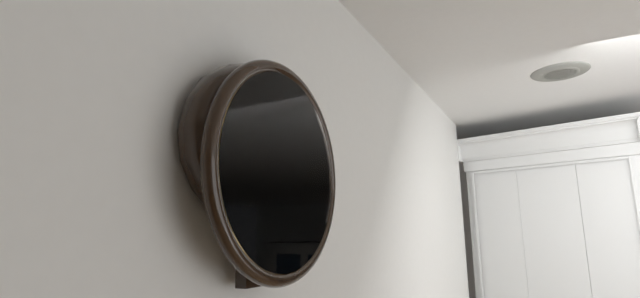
6h20m00s
